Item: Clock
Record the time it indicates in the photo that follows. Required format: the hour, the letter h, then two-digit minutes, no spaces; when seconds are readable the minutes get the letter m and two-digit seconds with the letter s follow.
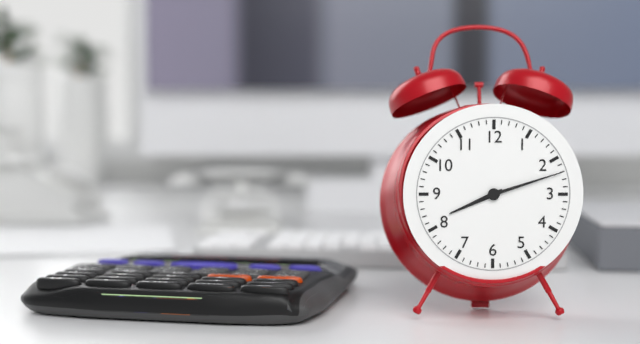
8h12
